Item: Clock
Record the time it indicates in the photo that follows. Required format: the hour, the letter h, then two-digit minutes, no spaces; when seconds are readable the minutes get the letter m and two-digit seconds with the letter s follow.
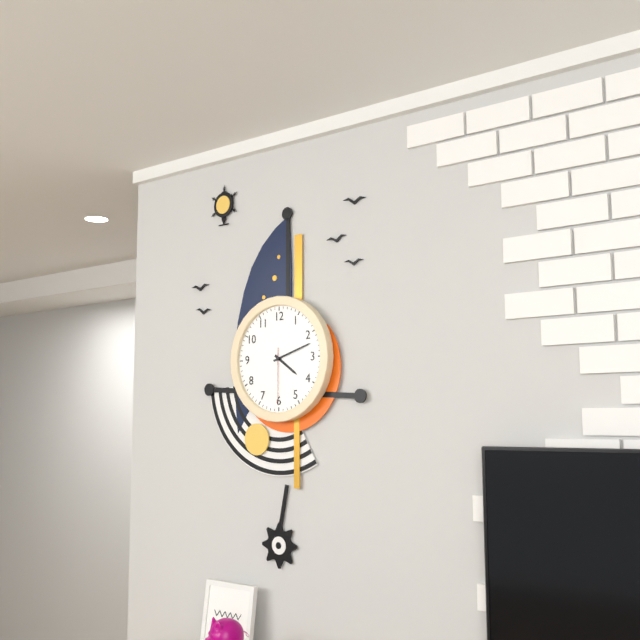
4h12m30s
